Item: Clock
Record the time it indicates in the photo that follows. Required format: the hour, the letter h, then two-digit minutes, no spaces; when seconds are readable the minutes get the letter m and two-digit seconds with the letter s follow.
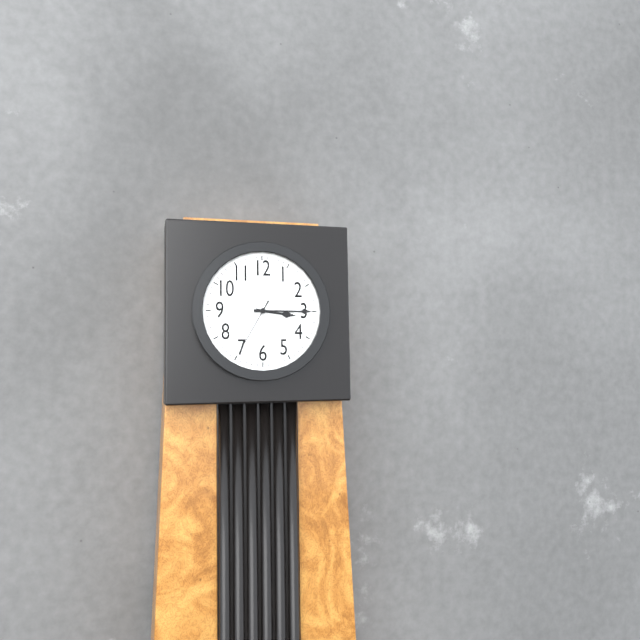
3h15m35s
